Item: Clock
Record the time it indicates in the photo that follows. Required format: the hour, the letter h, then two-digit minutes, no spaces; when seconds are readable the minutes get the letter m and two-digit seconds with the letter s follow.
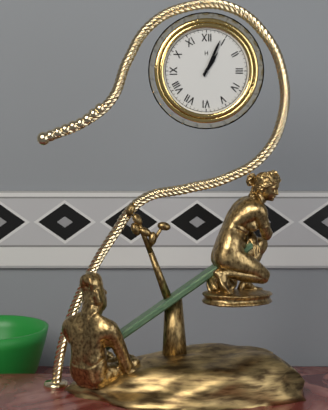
1h04
